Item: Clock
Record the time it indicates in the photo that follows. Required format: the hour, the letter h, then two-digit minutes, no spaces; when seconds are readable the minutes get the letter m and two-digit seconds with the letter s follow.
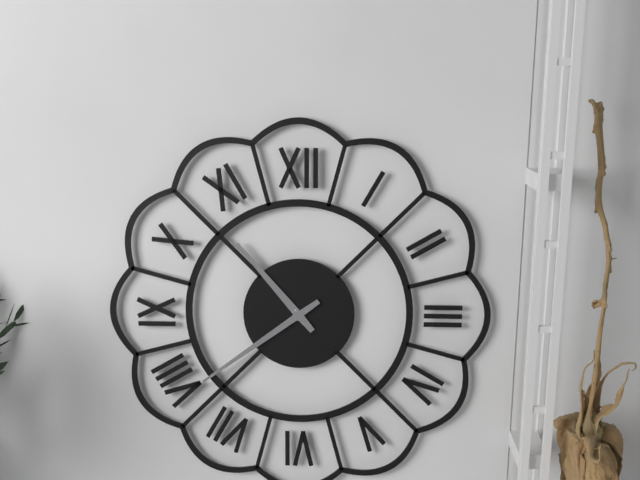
10h39
